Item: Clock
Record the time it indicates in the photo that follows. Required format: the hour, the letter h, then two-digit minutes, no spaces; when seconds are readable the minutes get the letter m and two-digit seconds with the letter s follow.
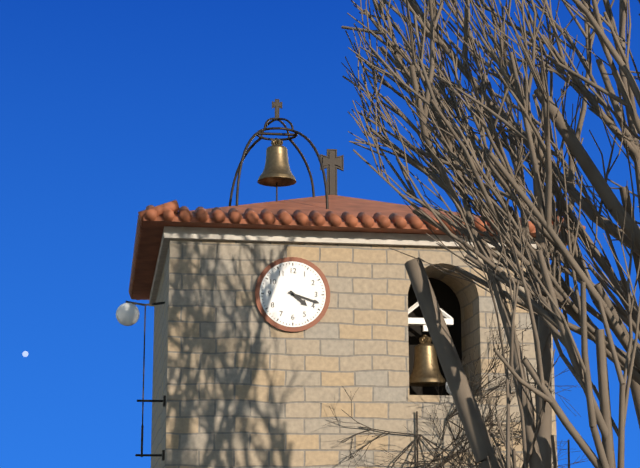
4h18
